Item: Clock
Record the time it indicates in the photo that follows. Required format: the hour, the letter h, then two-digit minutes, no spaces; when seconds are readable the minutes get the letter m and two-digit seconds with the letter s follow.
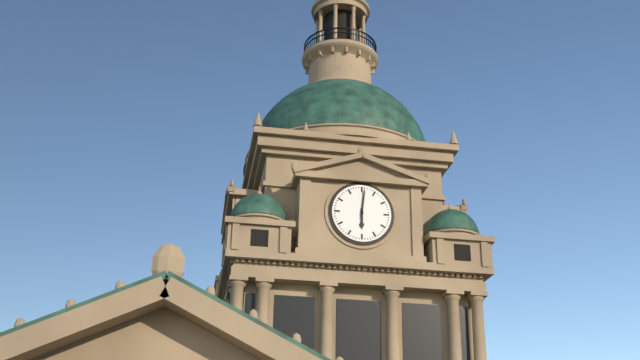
6h01
